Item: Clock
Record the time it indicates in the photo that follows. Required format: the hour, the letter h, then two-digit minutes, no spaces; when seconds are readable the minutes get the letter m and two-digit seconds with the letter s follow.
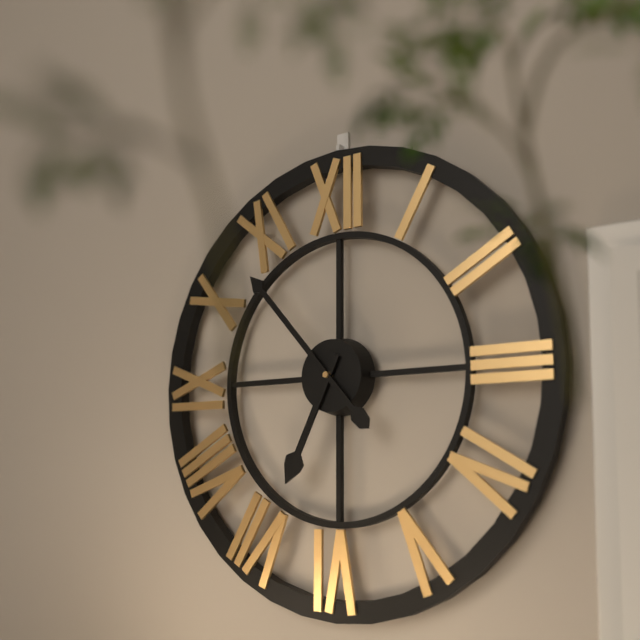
6h53
